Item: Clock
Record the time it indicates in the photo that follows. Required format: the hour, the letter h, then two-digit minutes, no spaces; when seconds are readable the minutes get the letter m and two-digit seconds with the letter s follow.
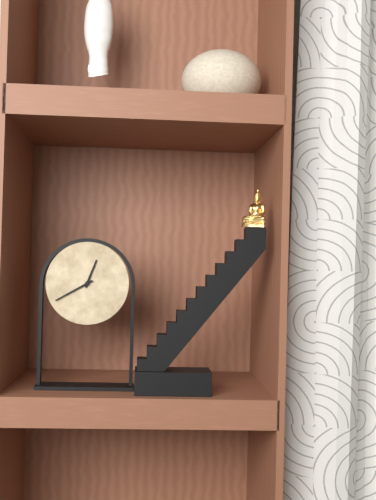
12h40
